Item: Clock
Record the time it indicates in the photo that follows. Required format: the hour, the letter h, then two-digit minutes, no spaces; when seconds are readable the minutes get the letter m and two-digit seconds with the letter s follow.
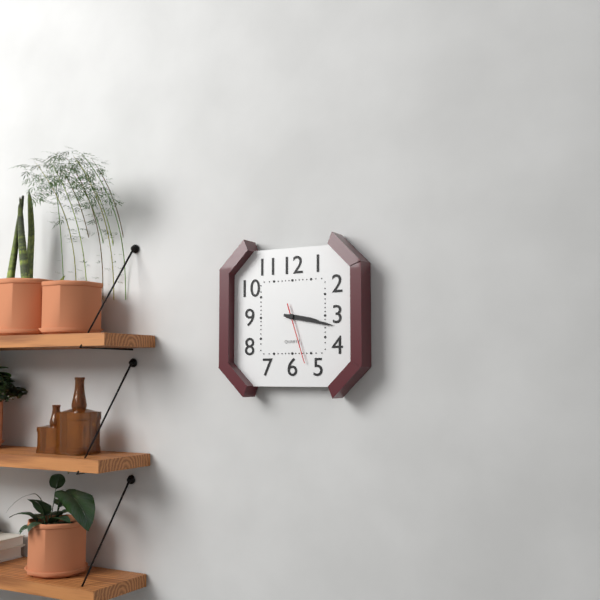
3h17m27s
